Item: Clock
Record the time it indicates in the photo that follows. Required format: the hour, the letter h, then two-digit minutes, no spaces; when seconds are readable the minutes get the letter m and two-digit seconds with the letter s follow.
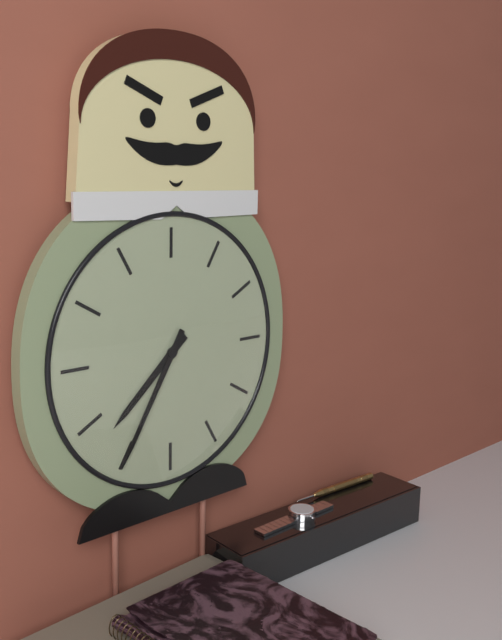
7h35
